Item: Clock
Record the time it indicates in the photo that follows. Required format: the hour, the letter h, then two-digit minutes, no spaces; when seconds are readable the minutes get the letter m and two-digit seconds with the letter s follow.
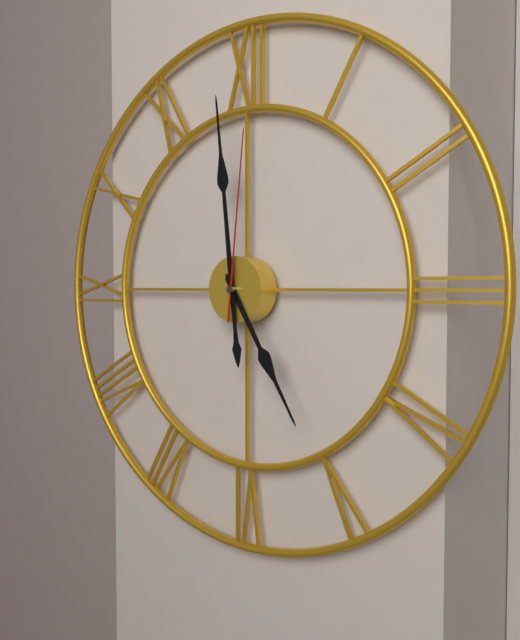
4h59m01s
